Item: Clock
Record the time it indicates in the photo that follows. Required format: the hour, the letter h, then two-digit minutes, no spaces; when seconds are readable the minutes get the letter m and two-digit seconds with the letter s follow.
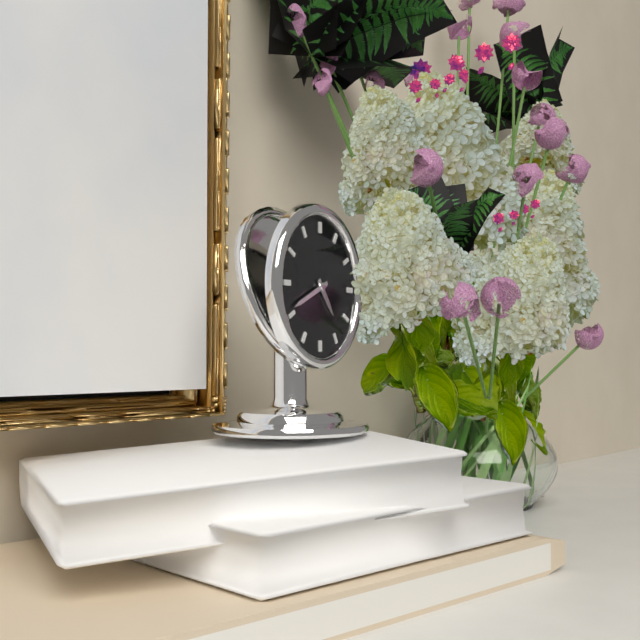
4h41
